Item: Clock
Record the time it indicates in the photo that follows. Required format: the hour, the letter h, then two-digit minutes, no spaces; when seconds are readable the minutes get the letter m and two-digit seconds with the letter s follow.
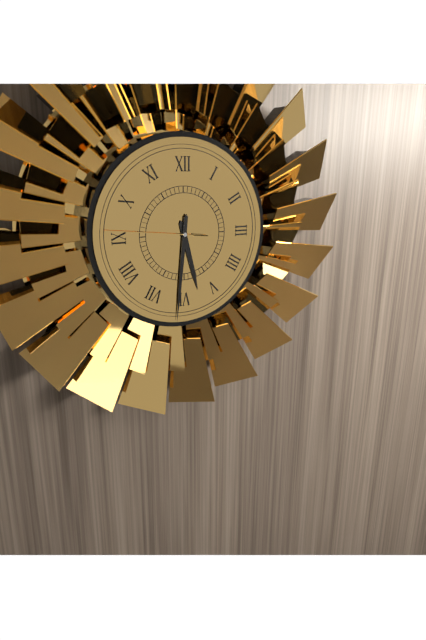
5h31m46s
